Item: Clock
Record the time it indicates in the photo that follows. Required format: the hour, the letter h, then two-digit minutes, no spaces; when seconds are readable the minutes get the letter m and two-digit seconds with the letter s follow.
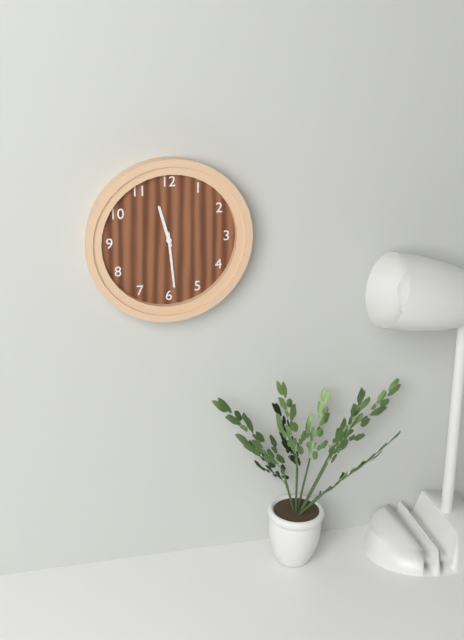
11h29
